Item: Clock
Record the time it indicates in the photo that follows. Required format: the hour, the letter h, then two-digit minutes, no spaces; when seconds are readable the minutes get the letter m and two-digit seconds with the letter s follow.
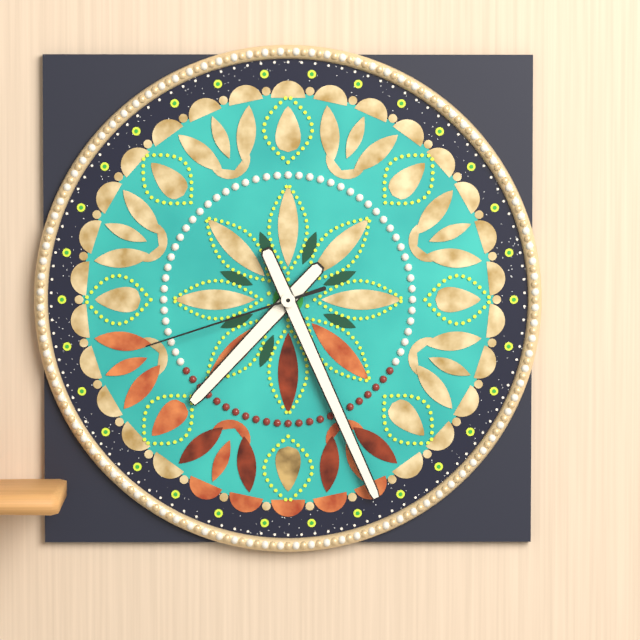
7h26m42s
